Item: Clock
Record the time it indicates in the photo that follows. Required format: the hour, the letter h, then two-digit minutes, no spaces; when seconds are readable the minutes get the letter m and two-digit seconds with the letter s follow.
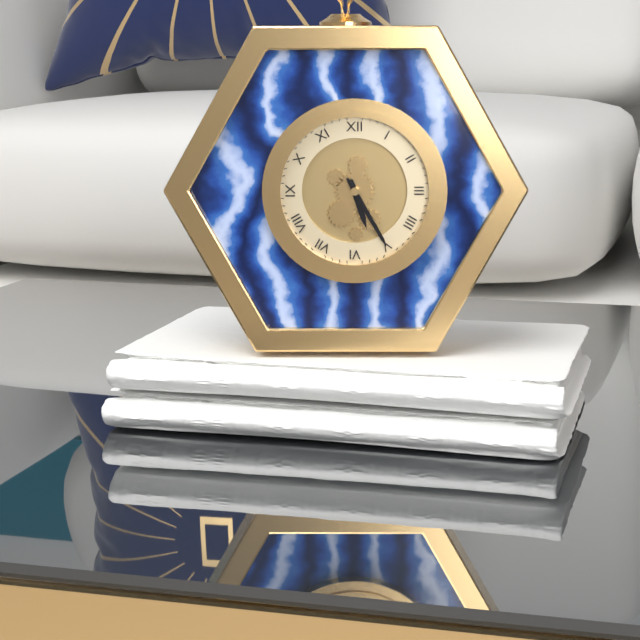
5h25
